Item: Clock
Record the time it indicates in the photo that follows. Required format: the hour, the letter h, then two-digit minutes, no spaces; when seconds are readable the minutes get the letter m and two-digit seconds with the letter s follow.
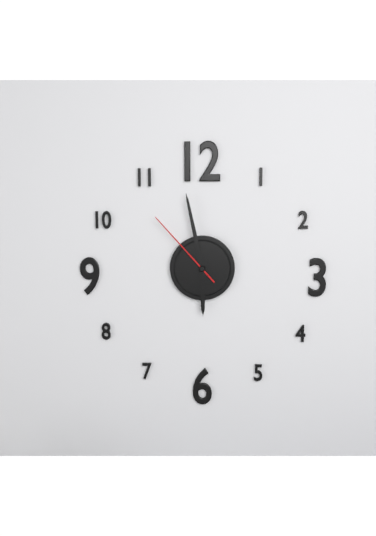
5h58m53s
